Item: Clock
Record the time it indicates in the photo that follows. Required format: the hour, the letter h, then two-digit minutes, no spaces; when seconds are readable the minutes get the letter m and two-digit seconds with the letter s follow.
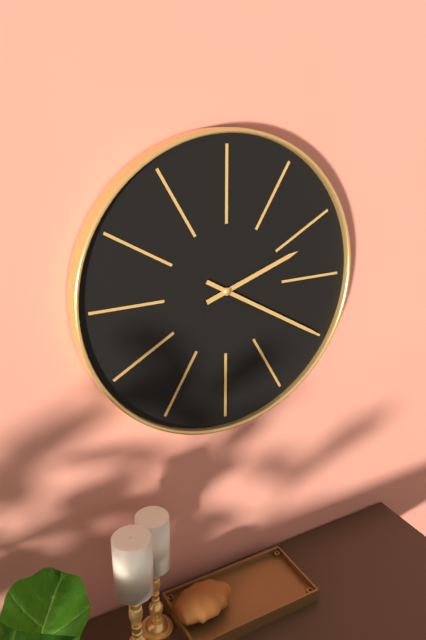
2h20
